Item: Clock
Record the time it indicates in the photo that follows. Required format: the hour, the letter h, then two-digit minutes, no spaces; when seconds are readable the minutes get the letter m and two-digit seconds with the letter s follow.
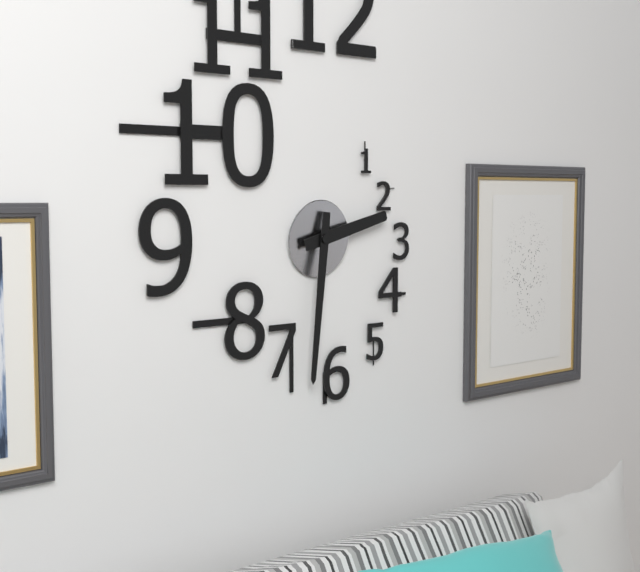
2h31
